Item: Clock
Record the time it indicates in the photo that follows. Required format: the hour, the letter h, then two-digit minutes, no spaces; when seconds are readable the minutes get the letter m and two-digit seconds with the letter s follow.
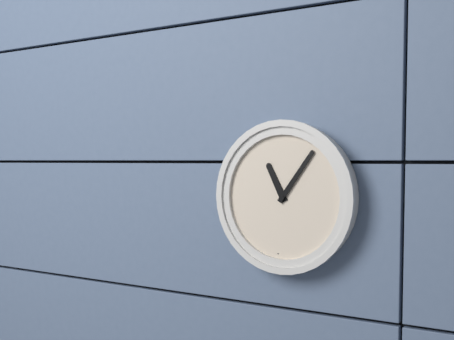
11h06
